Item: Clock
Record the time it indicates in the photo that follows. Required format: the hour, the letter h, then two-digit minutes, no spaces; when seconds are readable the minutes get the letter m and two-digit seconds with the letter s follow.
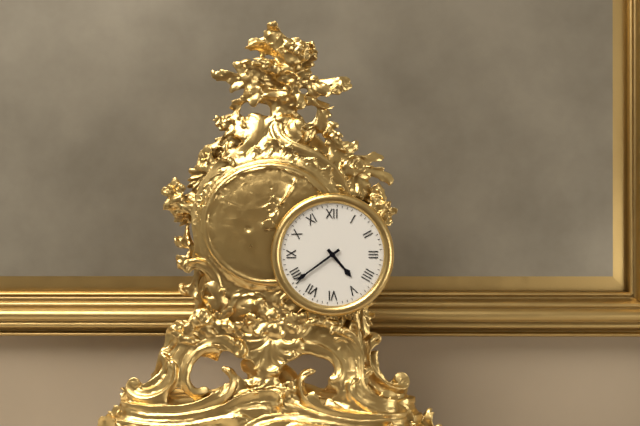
4h39
